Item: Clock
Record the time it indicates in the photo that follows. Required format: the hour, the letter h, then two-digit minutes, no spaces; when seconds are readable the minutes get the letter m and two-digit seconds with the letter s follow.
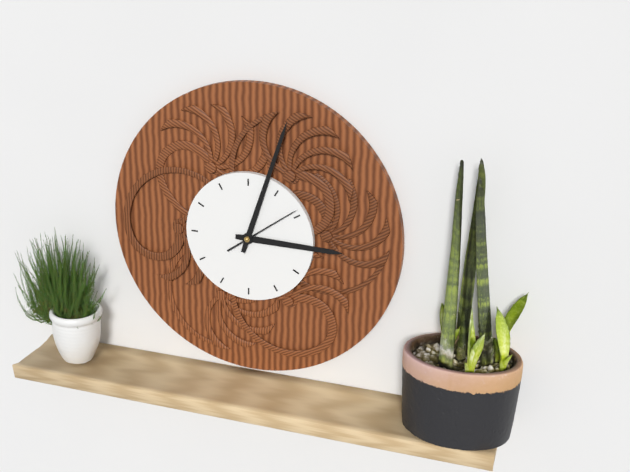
3h03m09s
